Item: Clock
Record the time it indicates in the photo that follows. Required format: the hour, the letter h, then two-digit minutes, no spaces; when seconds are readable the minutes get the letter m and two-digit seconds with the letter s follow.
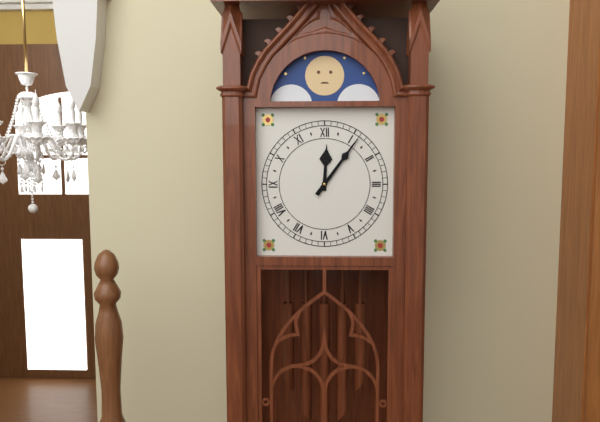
12h06
